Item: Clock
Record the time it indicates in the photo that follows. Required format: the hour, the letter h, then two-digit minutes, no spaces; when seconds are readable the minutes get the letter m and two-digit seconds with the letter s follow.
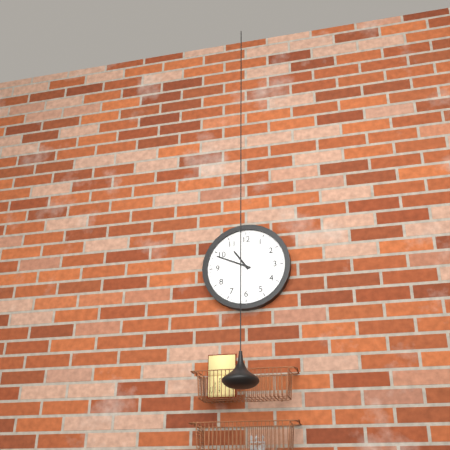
10h49
